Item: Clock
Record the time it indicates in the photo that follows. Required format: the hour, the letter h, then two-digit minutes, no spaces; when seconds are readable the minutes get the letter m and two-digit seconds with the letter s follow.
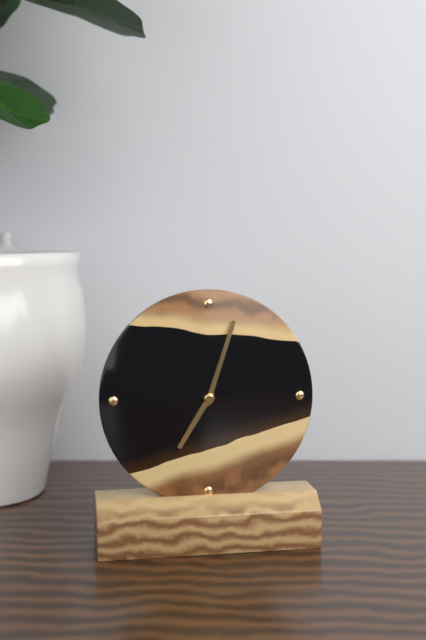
7h03
